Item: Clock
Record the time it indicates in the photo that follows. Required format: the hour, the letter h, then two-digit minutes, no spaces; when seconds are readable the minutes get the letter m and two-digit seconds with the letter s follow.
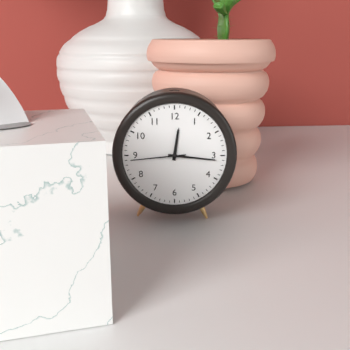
12h16m44s
